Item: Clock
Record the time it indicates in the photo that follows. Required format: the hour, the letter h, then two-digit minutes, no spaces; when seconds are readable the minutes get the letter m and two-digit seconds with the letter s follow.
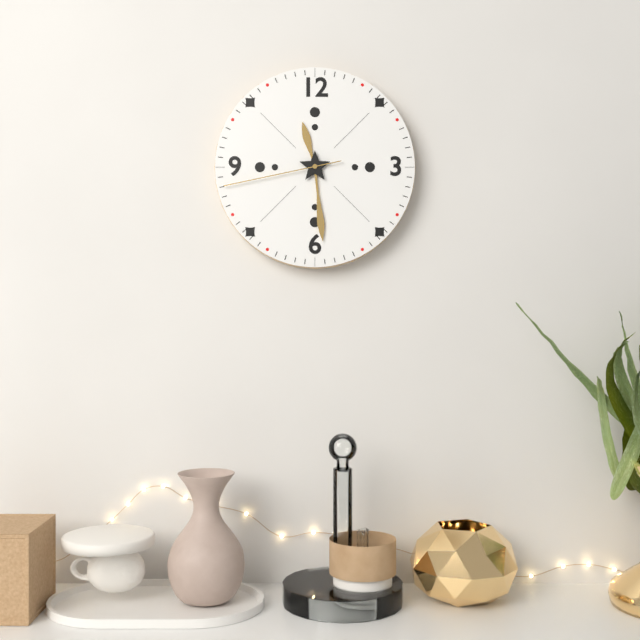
11h29m43s
